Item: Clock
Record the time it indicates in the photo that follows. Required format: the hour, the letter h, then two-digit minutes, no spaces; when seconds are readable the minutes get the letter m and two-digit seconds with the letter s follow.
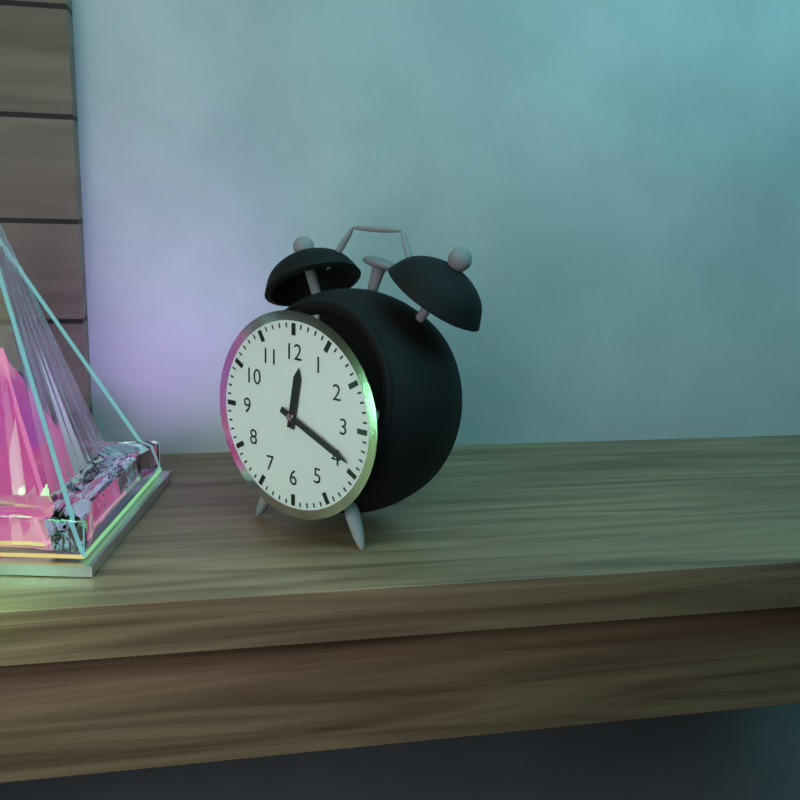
12h19
